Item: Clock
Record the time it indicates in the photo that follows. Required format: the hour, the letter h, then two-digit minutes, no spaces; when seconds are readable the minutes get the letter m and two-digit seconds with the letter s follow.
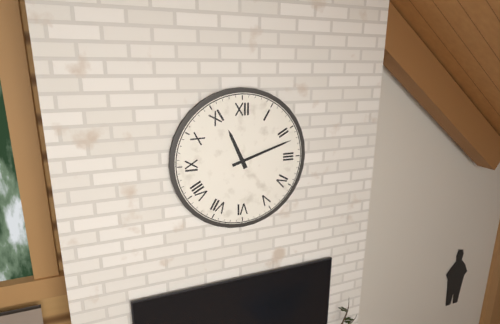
11h12
